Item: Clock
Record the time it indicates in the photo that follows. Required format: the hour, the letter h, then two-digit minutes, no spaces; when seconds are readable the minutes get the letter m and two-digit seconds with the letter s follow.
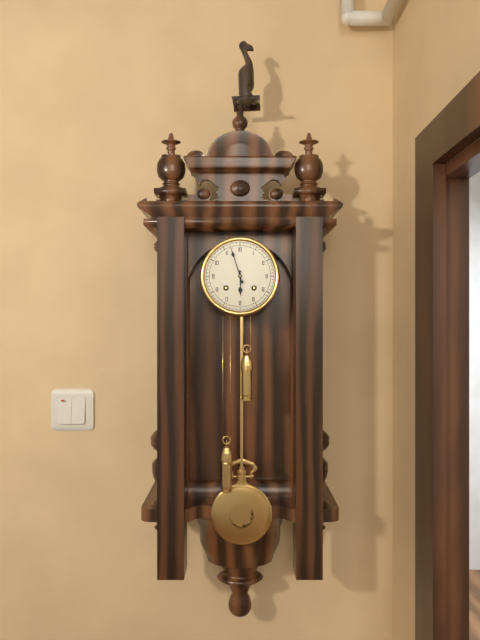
5h57
